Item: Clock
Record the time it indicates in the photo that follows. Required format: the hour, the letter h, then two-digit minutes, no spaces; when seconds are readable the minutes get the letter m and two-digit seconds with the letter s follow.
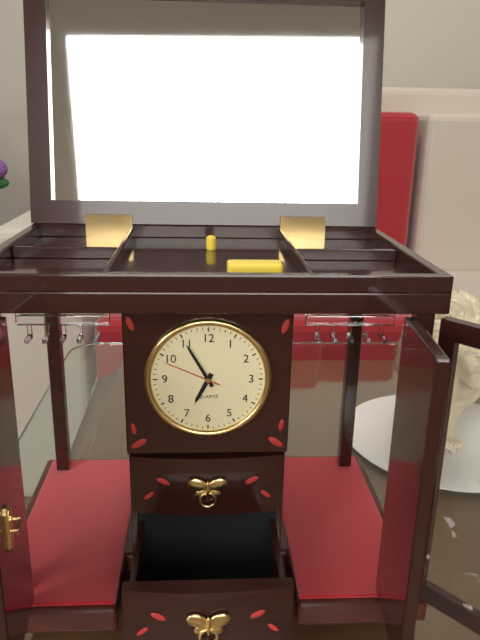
6h55m49s
